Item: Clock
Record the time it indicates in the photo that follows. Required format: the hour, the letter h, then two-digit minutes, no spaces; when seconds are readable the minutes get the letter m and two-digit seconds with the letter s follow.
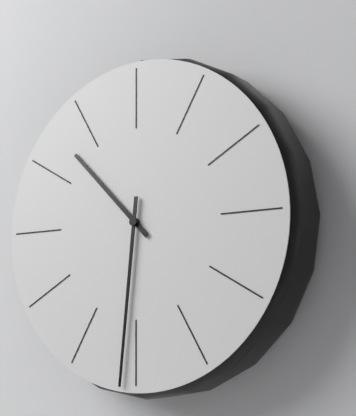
10h31
